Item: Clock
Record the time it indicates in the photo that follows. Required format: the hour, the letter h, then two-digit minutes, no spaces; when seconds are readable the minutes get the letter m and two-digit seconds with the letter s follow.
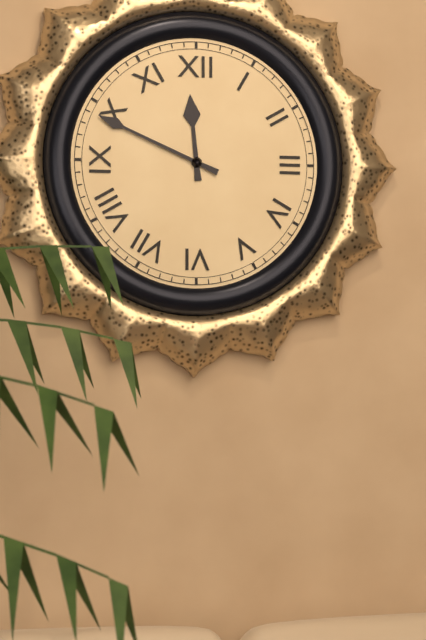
11h49
